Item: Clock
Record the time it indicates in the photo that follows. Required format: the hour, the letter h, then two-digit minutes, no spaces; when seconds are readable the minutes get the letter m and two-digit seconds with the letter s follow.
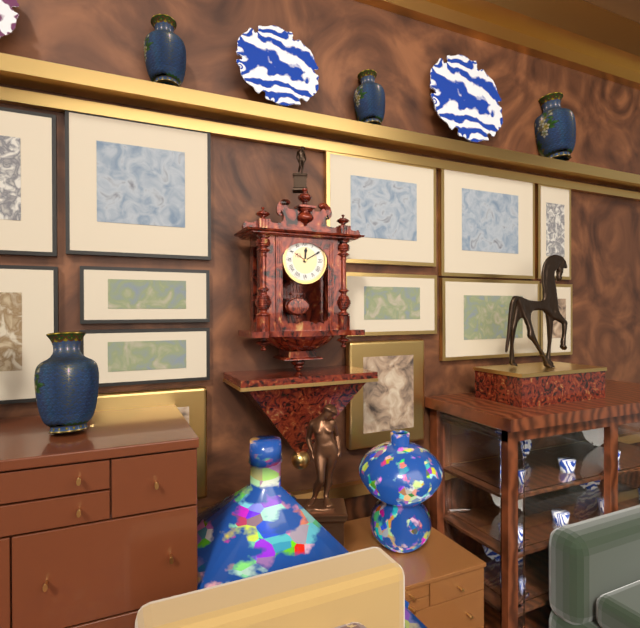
12h10
